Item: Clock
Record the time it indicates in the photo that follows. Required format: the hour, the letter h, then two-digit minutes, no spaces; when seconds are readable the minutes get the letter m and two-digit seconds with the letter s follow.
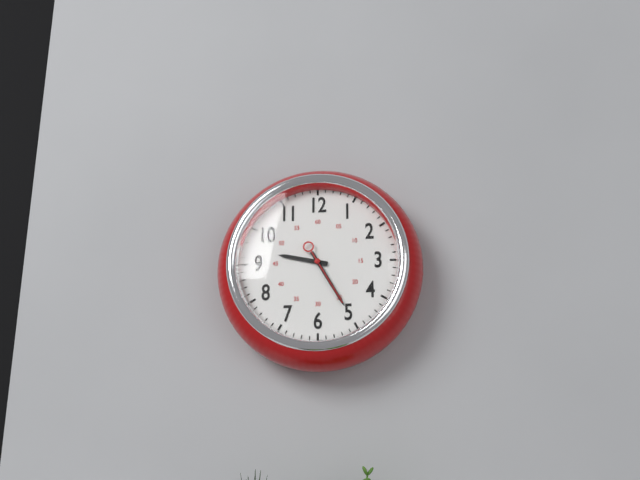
9h25m25s
